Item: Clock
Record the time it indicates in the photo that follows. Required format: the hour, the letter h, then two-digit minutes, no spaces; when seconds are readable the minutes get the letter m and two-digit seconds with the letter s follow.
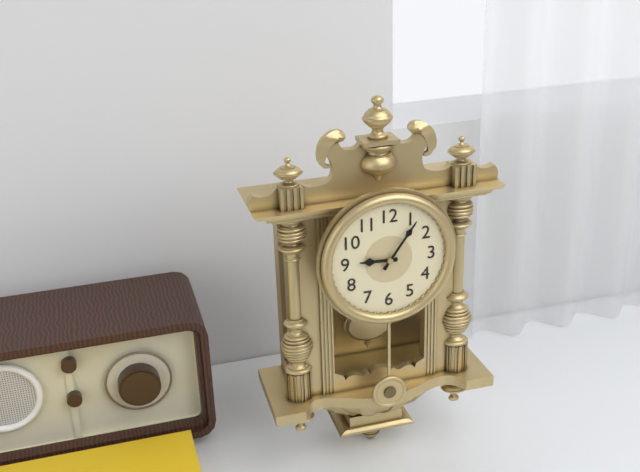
9h06
